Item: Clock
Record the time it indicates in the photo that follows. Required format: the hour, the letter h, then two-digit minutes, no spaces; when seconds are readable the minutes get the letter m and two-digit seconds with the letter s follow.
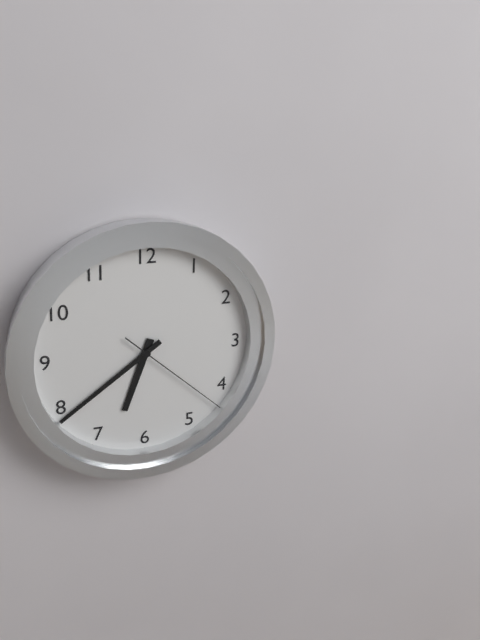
6h39m22s
